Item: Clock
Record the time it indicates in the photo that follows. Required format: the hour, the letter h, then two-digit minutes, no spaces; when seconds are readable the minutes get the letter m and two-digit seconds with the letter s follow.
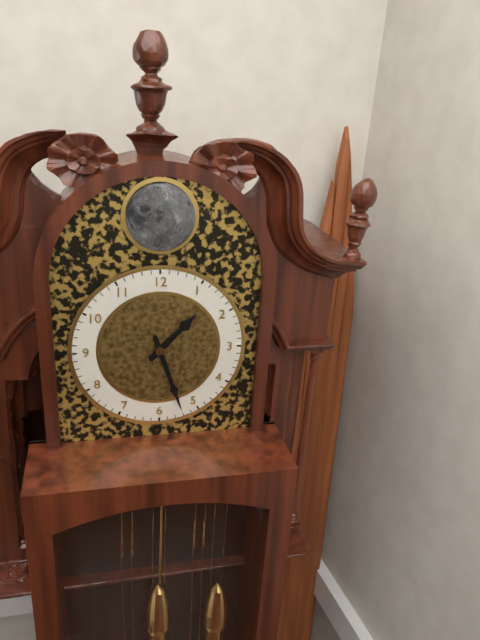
1h27
